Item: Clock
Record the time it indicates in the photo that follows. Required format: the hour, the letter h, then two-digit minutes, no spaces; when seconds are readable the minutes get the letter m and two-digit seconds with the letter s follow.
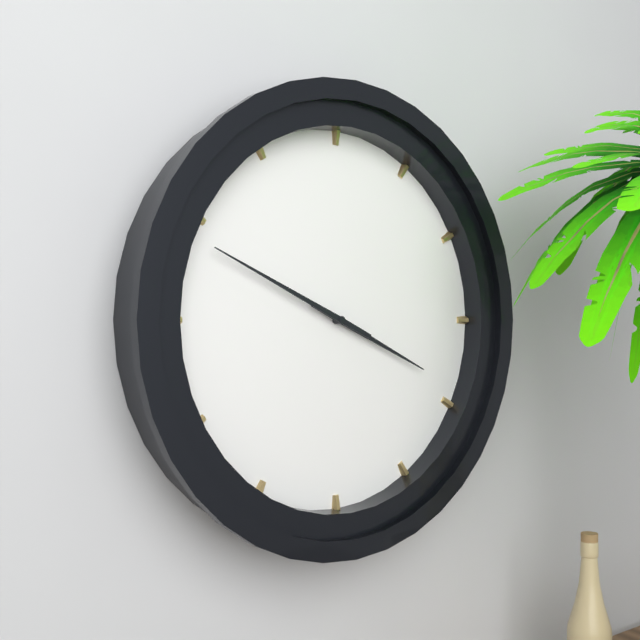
3h49
